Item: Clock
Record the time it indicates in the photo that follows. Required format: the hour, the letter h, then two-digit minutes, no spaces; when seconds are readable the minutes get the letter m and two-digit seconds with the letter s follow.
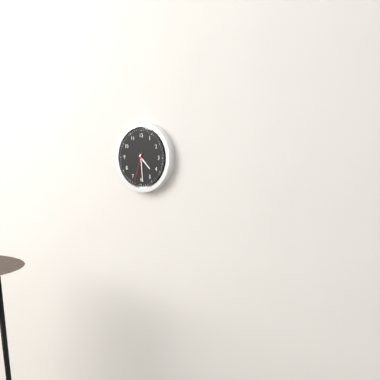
4h29
